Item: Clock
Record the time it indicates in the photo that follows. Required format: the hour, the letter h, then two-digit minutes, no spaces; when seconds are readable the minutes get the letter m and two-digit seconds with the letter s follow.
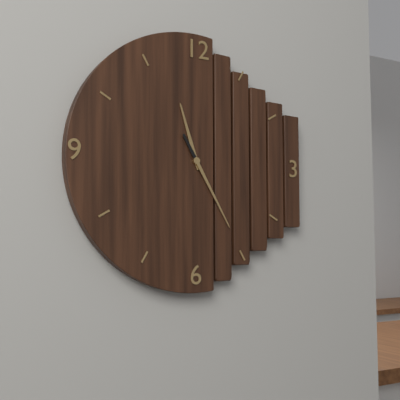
11h25
